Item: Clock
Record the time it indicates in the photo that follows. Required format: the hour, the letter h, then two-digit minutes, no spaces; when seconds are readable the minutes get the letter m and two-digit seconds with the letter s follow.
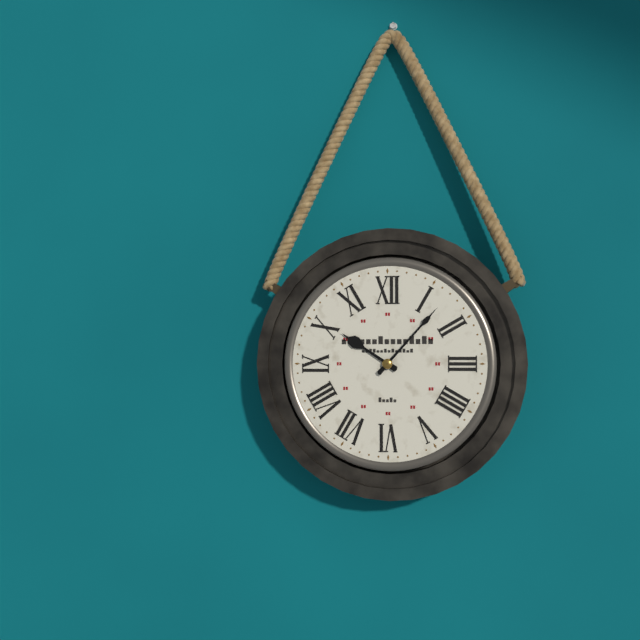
10h07
